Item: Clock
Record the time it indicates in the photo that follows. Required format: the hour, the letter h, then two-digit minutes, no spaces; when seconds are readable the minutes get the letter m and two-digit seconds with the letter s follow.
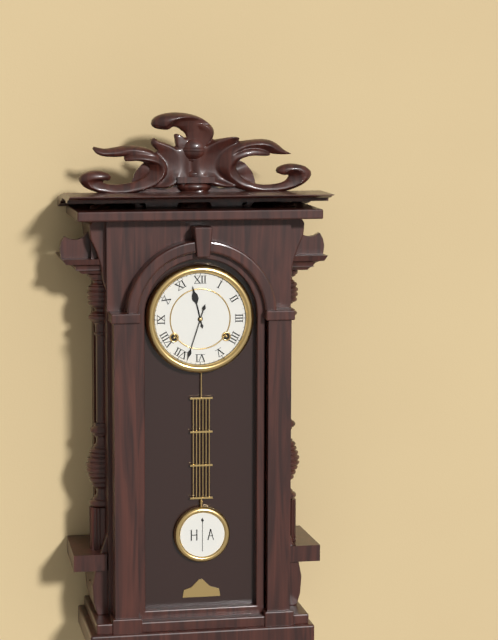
11h33
